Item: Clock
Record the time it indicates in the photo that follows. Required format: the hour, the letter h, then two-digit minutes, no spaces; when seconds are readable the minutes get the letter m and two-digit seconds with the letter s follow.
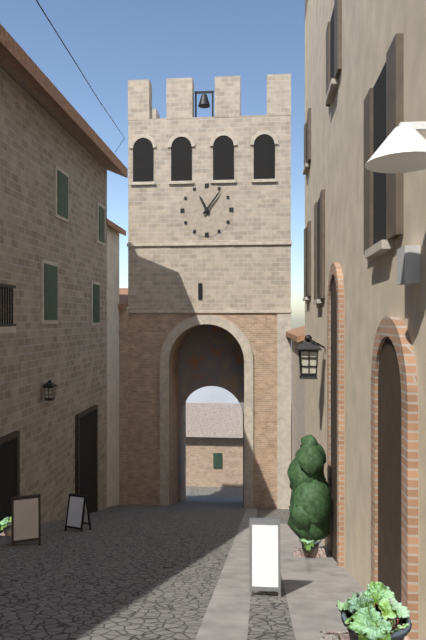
11h06
